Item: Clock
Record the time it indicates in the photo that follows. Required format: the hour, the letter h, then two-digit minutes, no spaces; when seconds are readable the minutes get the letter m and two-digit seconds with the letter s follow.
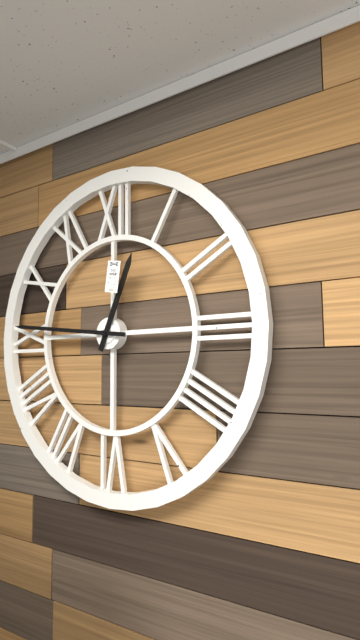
12h46
